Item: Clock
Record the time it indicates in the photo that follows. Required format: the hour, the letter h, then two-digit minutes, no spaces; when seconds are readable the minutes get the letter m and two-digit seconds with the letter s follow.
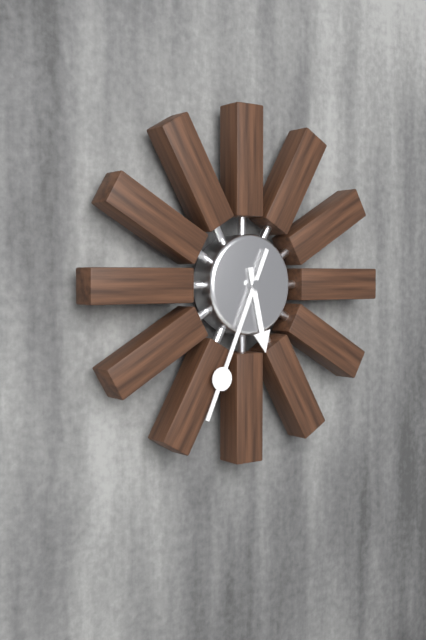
5h34
